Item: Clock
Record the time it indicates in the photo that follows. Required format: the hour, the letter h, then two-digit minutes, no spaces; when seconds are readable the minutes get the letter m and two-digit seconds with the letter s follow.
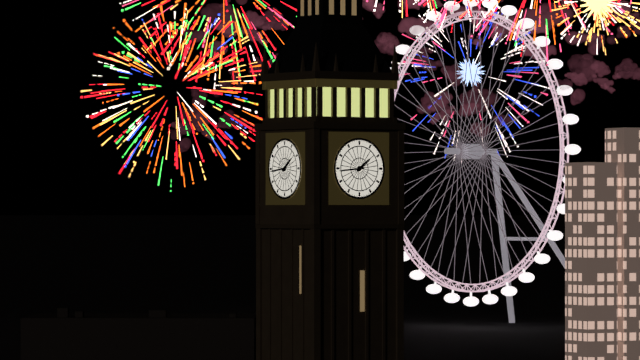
1h44
